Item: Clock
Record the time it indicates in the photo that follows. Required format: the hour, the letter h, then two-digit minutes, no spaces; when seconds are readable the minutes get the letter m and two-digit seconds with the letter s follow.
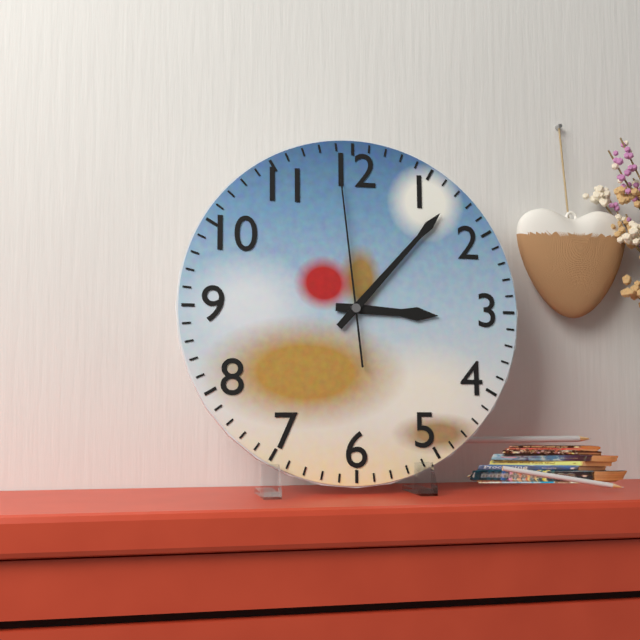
3h07m59s
